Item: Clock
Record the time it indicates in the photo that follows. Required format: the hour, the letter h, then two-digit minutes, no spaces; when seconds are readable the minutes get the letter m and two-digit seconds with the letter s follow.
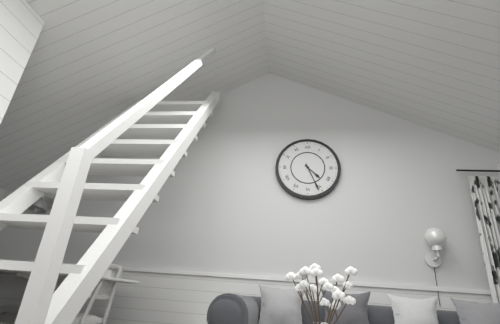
4h26
